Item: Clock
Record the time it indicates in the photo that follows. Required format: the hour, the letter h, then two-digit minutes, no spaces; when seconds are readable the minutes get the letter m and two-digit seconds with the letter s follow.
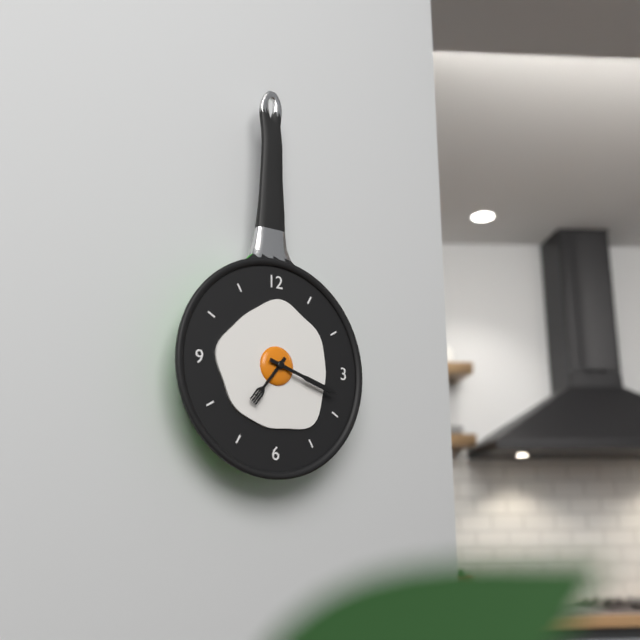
7h18
